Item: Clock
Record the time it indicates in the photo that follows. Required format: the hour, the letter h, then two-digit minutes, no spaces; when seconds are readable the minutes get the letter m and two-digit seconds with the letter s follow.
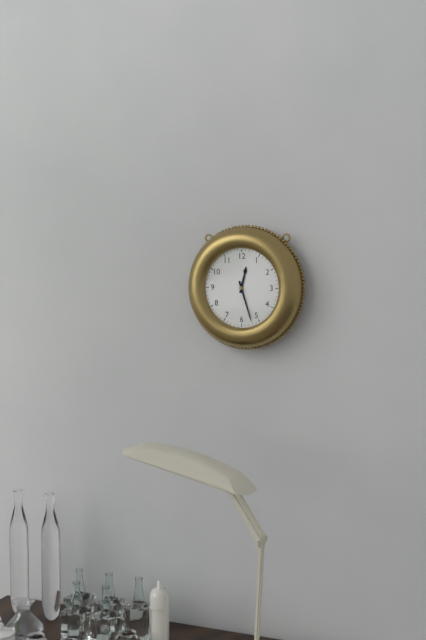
12h27
